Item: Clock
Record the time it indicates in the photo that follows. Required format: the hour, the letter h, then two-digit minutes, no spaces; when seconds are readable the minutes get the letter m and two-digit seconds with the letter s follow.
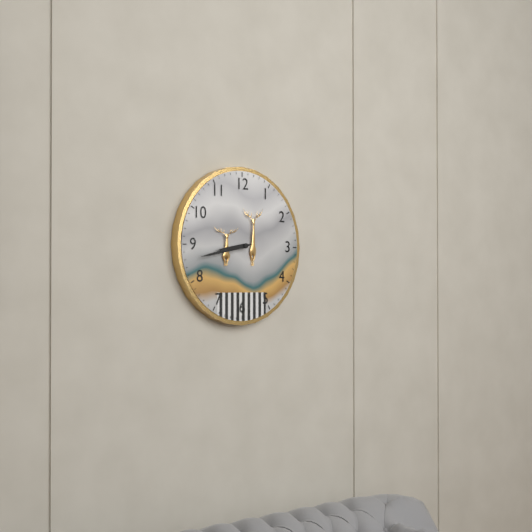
8h43
